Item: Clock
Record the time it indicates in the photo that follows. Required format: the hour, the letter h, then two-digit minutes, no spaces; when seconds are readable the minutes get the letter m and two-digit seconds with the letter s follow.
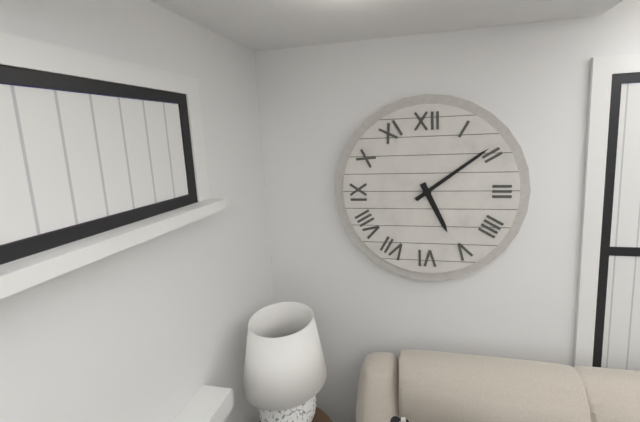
5h09
